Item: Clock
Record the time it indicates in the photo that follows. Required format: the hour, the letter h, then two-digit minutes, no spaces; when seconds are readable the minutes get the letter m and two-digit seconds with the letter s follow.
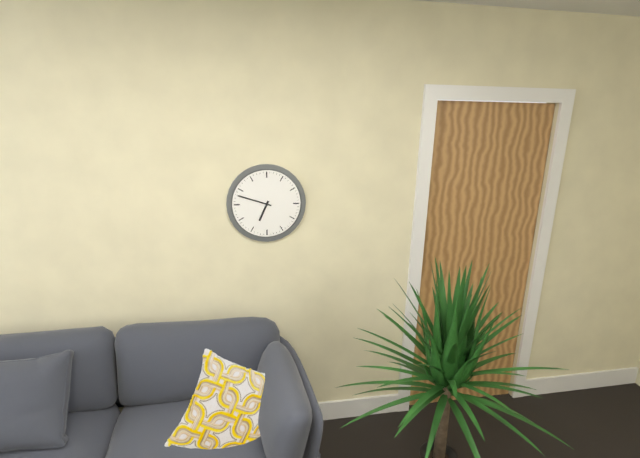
6h48
